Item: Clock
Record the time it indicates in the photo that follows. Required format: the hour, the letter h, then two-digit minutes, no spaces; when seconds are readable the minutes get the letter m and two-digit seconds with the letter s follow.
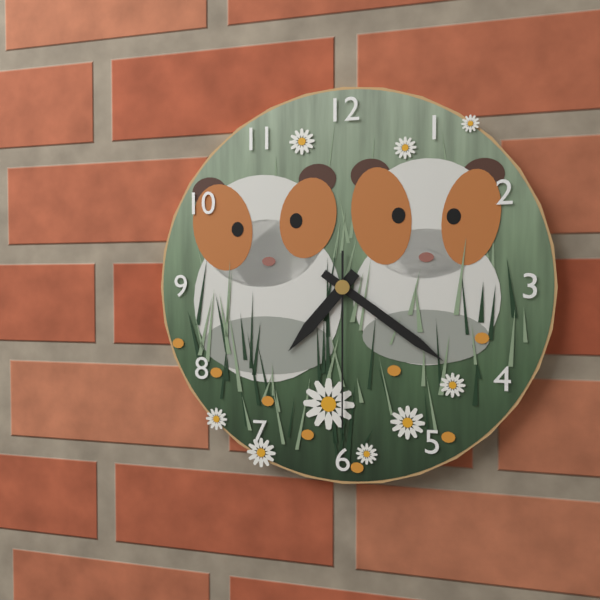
7h21m30s
